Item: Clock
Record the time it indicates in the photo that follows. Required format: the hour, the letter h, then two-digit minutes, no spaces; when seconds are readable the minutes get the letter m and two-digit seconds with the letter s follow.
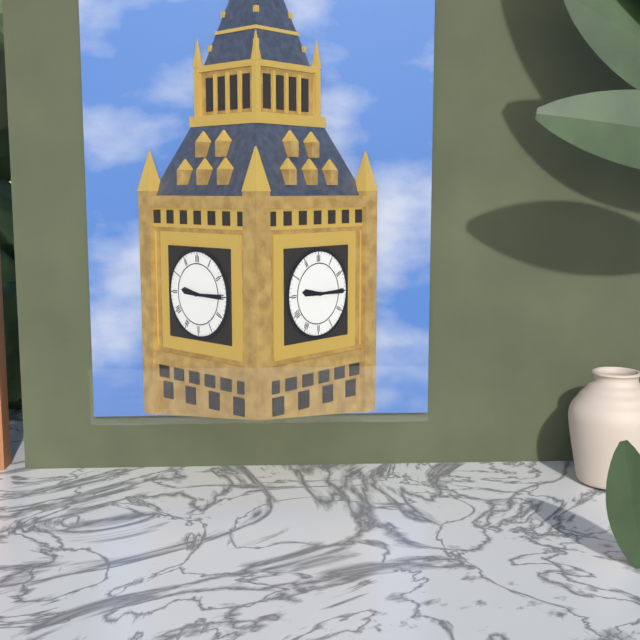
9h15
